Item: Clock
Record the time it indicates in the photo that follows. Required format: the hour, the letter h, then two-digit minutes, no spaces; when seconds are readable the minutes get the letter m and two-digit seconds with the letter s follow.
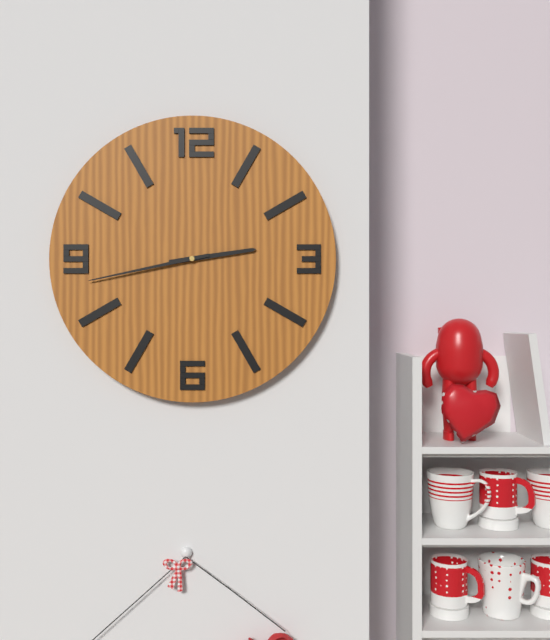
2h43
